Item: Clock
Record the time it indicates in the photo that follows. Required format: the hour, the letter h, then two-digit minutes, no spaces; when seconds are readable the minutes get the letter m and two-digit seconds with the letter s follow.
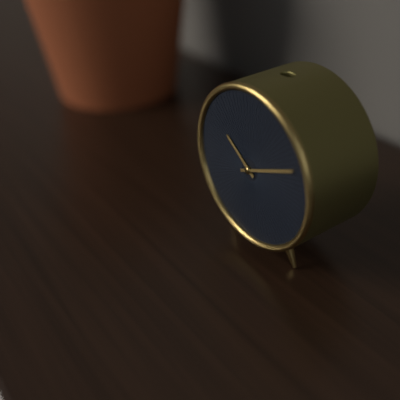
10h11
